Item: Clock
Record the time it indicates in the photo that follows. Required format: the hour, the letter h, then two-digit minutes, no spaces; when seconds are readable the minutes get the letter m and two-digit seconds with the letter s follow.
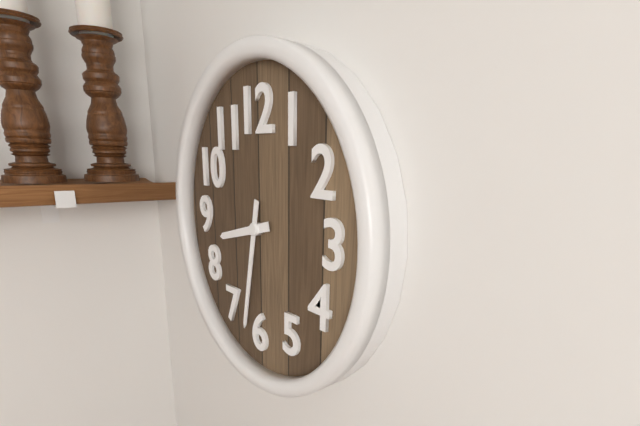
8h32
